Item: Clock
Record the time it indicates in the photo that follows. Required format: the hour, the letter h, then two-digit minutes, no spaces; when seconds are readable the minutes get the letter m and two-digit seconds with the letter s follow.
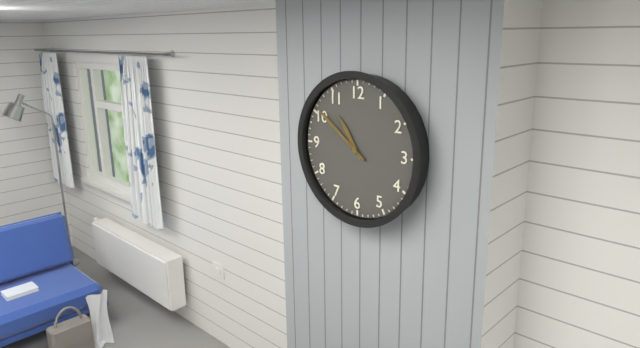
10h51
